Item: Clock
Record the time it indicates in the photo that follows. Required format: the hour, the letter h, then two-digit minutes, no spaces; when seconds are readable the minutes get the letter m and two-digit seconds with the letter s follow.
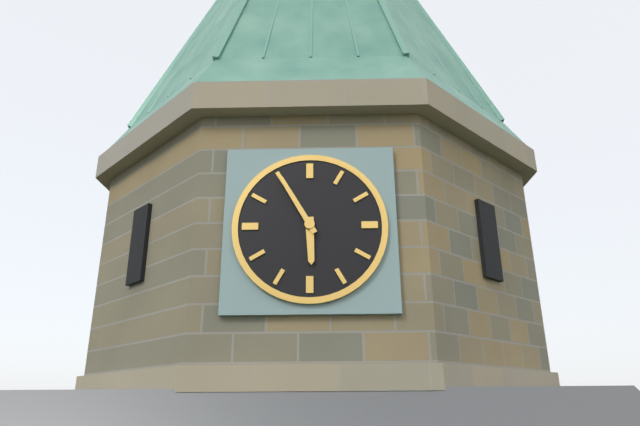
5h55
